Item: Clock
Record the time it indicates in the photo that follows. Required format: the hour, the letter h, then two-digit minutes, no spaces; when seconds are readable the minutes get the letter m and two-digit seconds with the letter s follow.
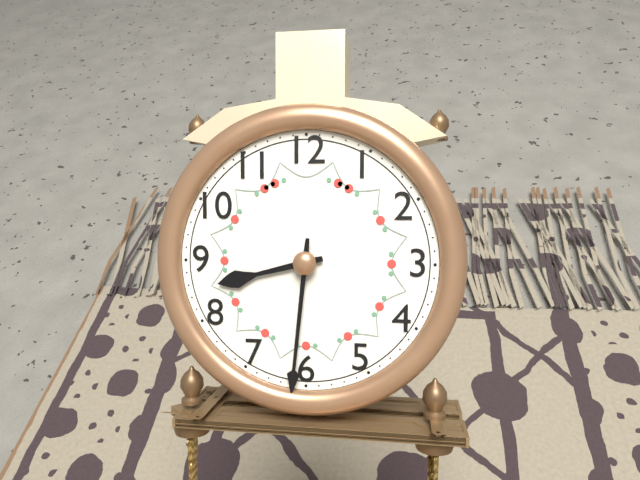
8h31
